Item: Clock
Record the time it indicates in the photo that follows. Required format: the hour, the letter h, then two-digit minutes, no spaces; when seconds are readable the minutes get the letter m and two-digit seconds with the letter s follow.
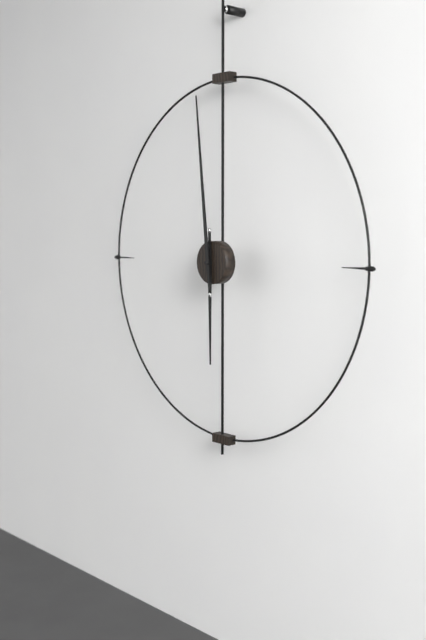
5h59
